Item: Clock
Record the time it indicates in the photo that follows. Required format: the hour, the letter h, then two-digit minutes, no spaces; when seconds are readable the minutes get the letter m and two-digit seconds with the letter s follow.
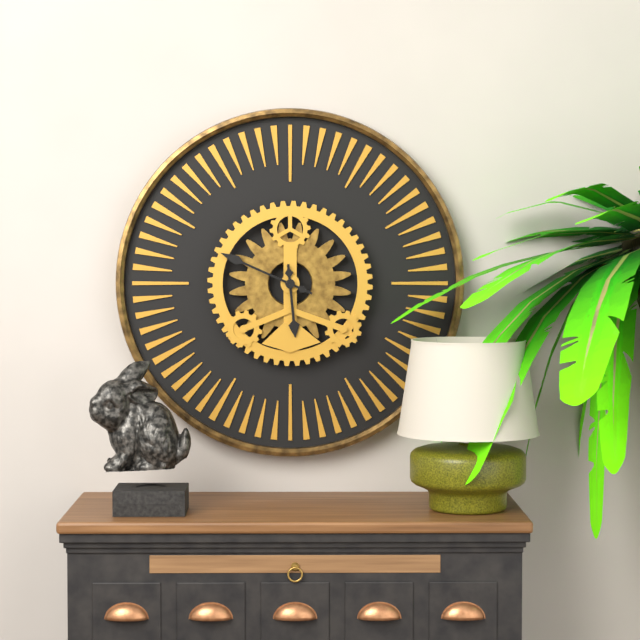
5h49
